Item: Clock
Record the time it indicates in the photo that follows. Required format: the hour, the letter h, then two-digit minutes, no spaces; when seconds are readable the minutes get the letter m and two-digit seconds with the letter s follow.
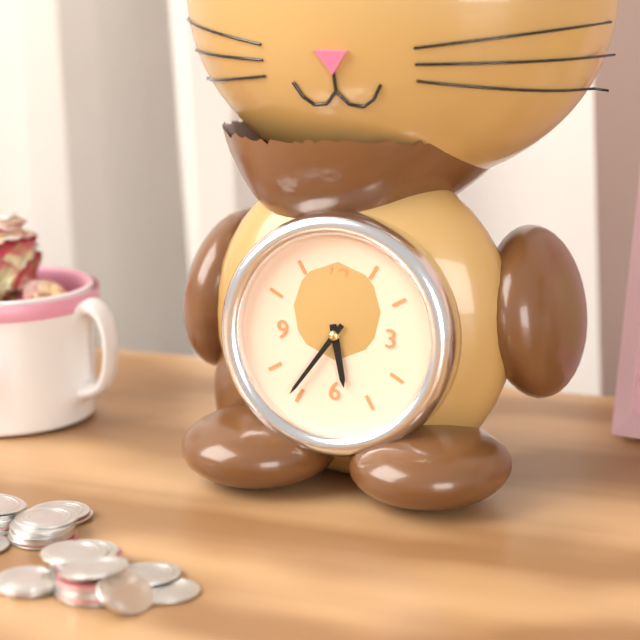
5h36
